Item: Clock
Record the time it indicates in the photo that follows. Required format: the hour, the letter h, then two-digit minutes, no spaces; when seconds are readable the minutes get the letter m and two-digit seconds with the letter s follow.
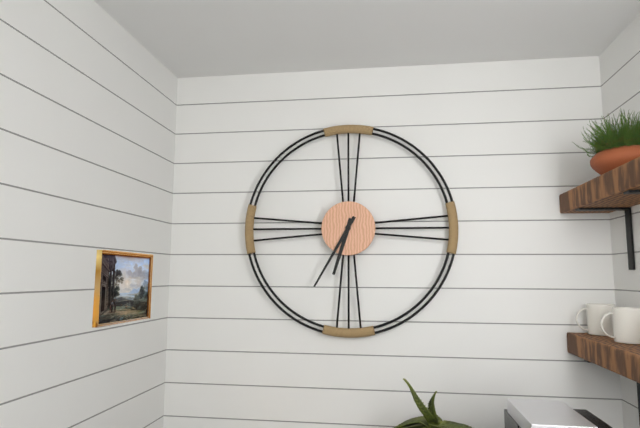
6h35
